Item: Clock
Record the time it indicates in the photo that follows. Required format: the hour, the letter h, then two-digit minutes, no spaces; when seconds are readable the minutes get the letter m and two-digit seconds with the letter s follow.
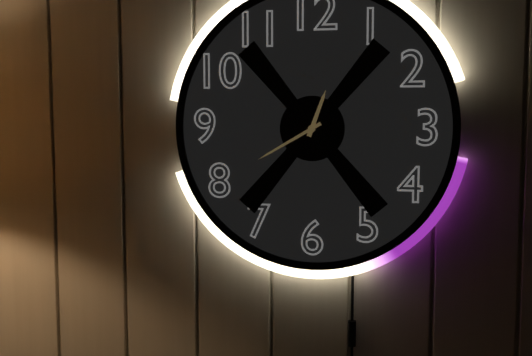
12h40
